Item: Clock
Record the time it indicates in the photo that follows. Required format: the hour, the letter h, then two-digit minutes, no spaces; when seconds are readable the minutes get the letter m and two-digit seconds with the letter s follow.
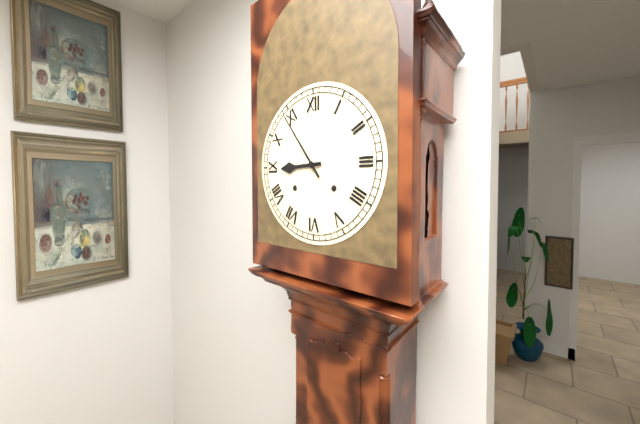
8h54
